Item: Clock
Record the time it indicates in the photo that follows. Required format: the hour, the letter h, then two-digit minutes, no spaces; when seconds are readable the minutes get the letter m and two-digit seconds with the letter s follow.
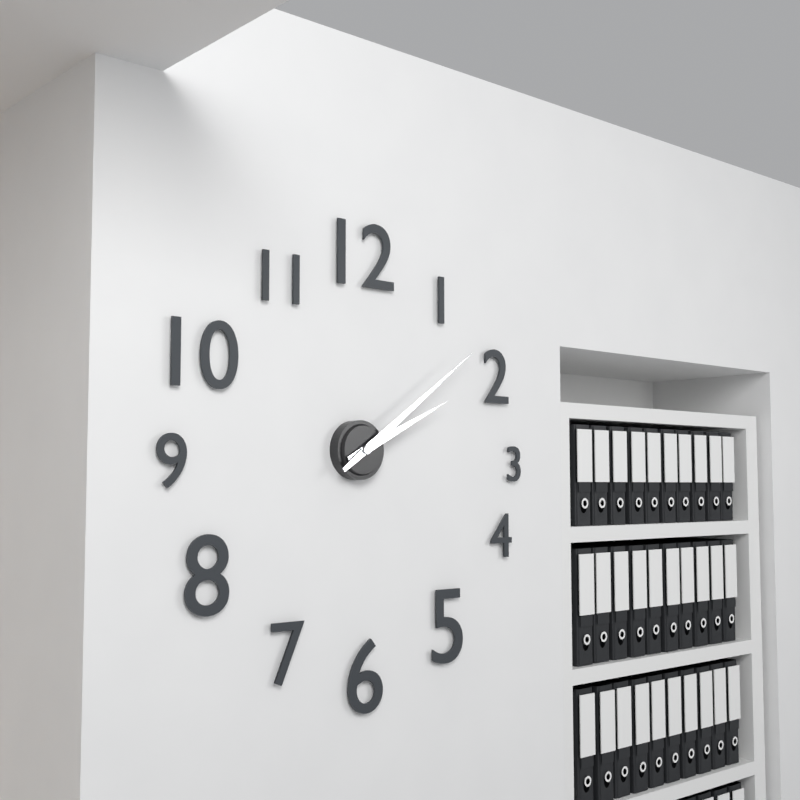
2h09
